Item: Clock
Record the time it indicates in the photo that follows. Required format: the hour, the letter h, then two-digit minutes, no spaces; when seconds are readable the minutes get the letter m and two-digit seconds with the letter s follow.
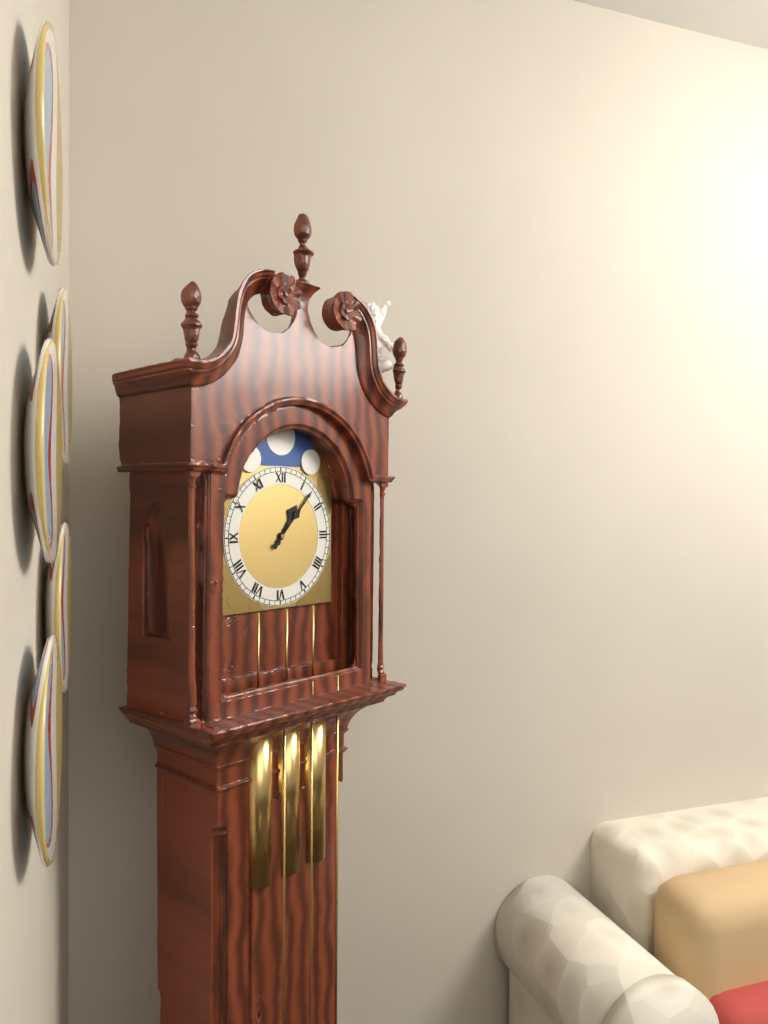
1h07
